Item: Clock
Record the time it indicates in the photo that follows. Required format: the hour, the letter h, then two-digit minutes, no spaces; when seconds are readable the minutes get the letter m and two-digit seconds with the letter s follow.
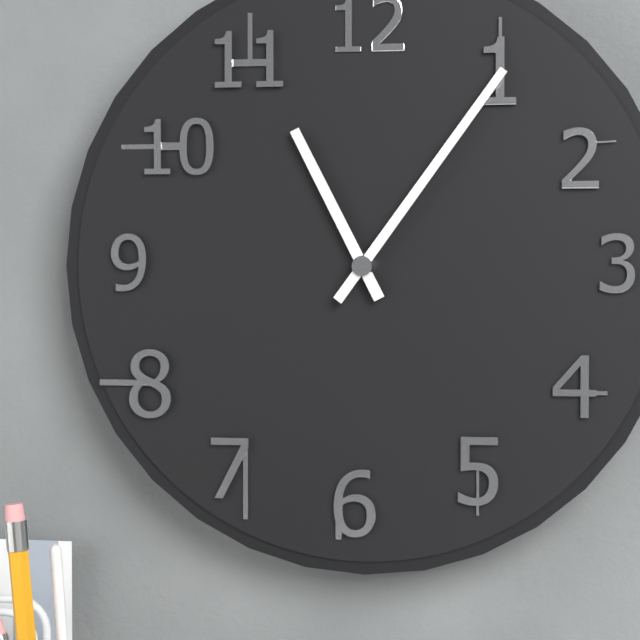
11h06
